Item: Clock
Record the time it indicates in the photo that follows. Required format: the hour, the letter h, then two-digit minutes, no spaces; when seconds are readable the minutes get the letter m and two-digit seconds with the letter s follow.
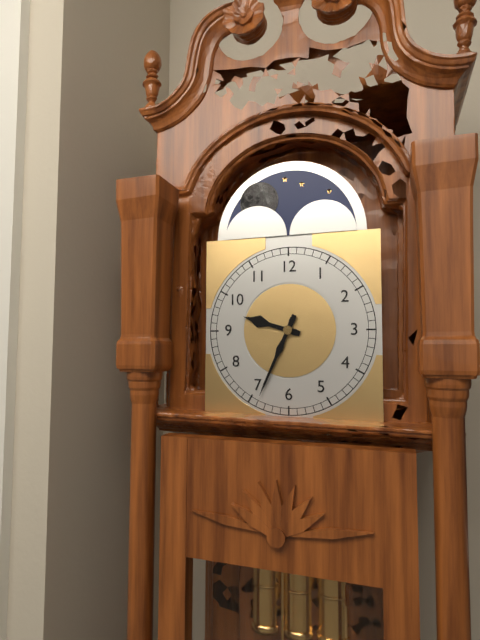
9h34
